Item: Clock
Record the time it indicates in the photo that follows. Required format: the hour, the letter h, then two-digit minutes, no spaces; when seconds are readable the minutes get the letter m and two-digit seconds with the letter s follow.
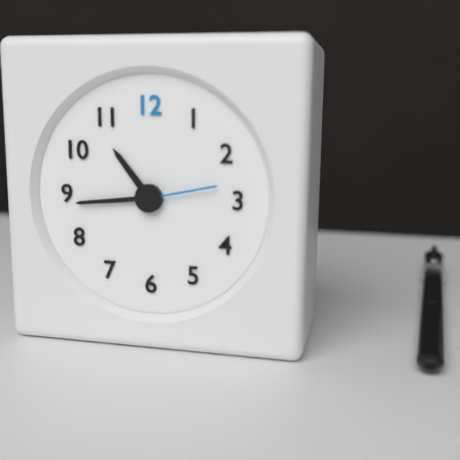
10h44m13s
